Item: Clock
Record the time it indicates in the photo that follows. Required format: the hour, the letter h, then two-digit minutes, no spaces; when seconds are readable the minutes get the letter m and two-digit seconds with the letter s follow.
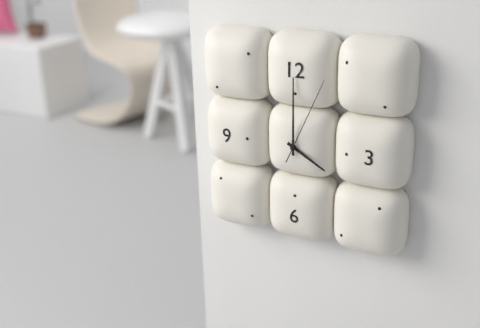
4h00m04s
